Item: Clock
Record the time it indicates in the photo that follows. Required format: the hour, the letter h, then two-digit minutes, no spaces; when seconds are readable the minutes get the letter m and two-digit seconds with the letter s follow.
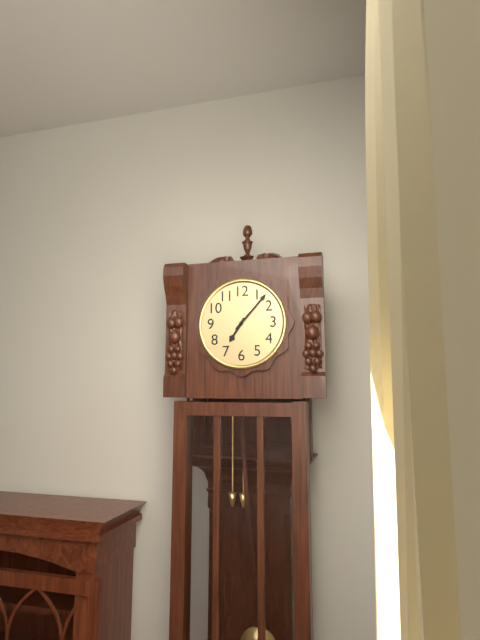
7h07
